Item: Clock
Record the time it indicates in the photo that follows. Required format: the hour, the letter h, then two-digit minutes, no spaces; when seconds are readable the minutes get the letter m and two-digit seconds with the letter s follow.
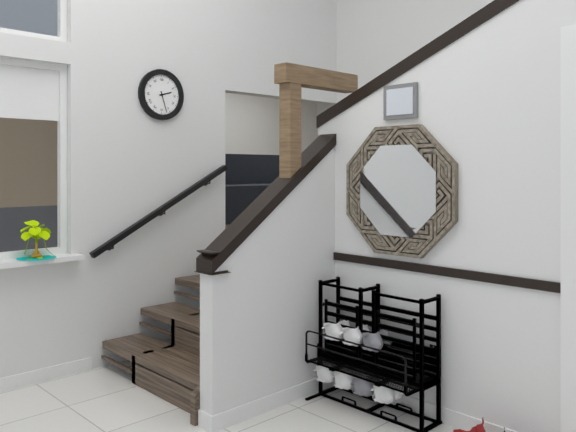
2h27
